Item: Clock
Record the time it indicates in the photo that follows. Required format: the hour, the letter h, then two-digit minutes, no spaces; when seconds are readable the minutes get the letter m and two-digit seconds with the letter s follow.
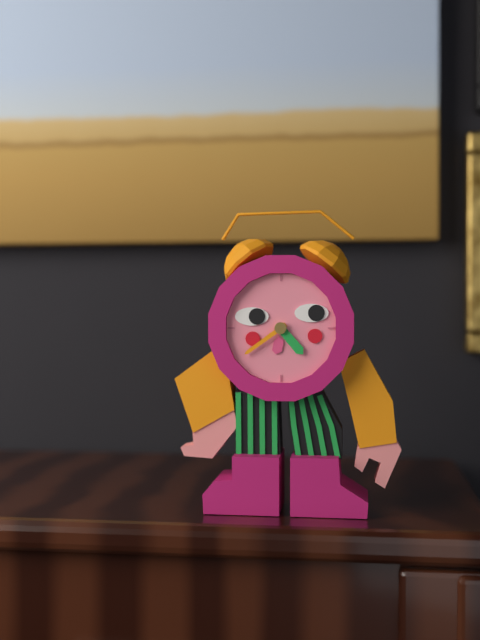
4h39
